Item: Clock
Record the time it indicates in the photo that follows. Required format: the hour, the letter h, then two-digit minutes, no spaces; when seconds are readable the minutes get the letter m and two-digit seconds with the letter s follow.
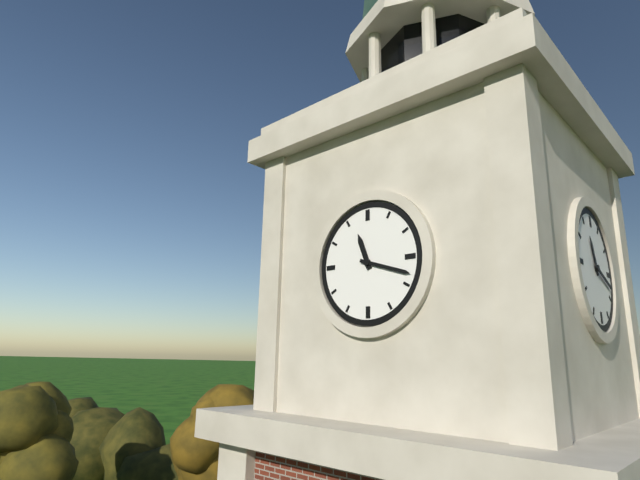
11h18
